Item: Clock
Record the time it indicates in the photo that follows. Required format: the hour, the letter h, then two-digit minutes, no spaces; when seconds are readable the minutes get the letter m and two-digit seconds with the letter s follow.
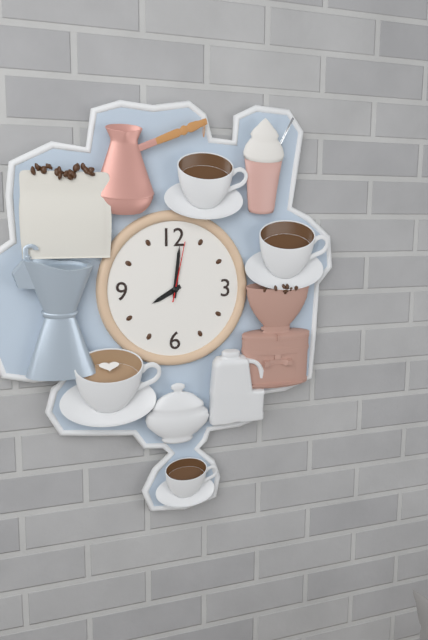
8h01m02s
